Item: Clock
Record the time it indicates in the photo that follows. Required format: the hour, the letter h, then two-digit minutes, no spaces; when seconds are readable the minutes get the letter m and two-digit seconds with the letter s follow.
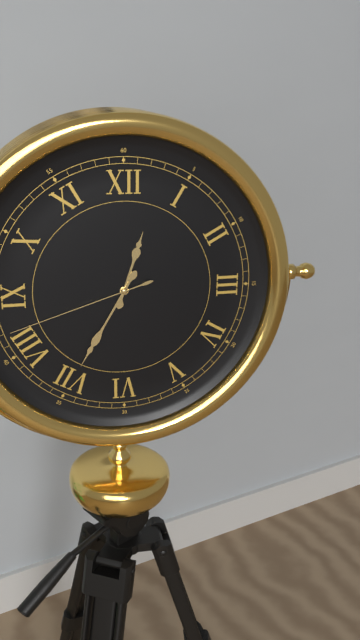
12h35m42s
